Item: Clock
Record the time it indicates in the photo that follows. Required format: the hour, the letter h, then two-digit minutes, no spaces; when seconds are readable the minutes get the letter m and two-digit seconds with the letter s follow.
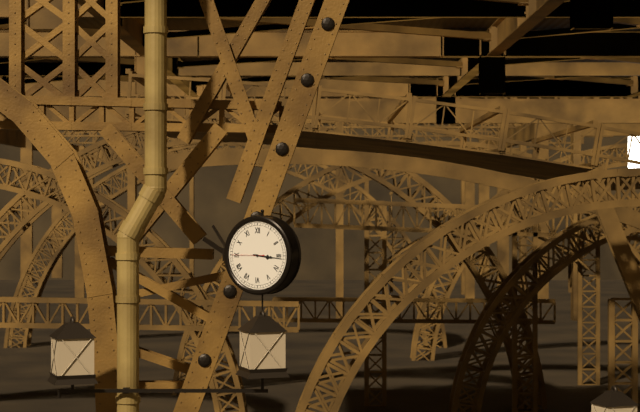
3h16
